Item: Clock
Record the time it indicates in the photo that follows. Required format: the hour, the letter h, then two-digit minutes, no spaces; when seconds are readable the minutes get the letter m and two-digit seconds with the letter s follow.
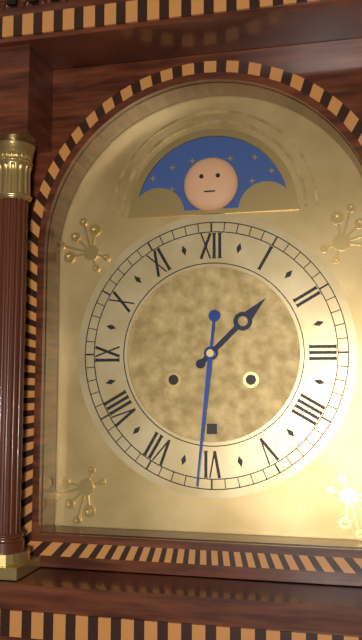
1h31
